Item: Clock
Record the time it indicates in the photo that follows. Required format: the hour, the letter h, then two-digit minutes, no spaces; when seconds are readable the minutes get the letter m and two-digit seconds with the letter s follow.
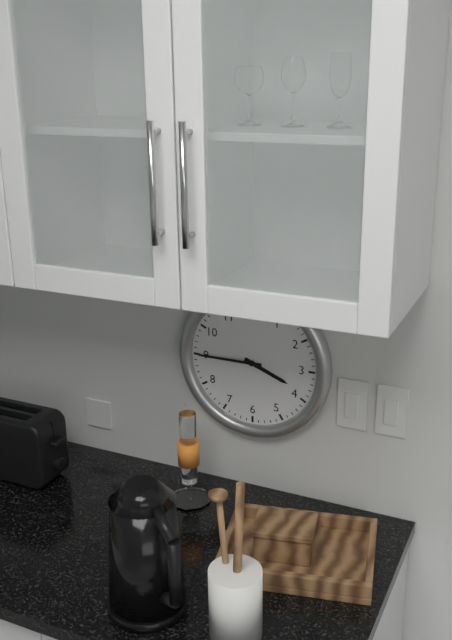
3h45
